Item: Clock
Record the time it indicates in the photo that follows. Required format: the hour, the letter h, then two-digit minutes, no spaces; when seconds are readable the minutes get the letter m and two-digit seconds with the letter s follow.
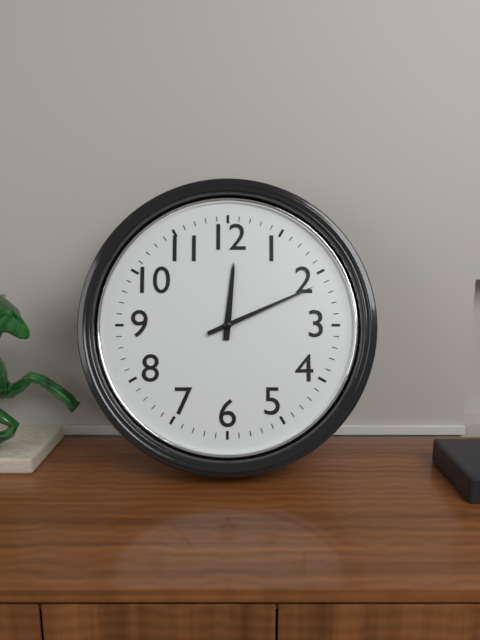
12h11
